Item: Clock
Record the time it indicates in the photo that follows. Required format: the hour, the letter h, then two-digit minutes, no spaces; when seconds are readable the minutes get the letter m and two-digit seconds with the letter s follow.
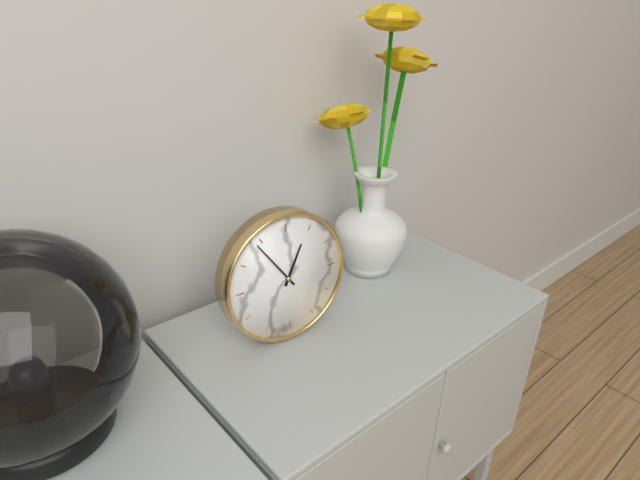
12h54
